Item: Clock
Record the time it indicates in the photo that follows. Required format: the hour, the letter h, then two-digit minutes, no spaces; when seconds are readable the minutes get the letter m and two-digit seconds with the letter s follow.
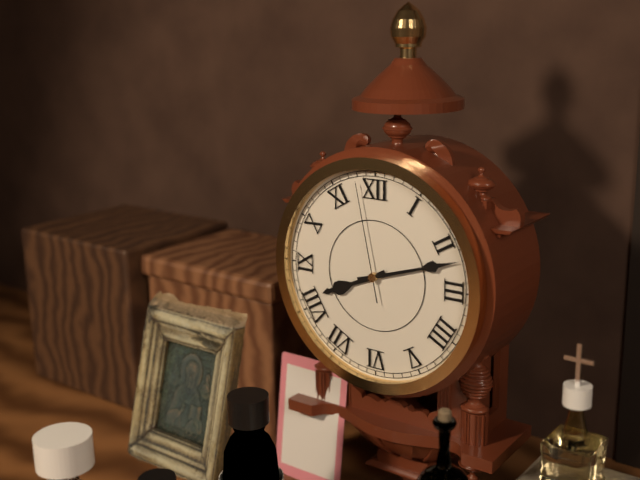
8h12m58s
